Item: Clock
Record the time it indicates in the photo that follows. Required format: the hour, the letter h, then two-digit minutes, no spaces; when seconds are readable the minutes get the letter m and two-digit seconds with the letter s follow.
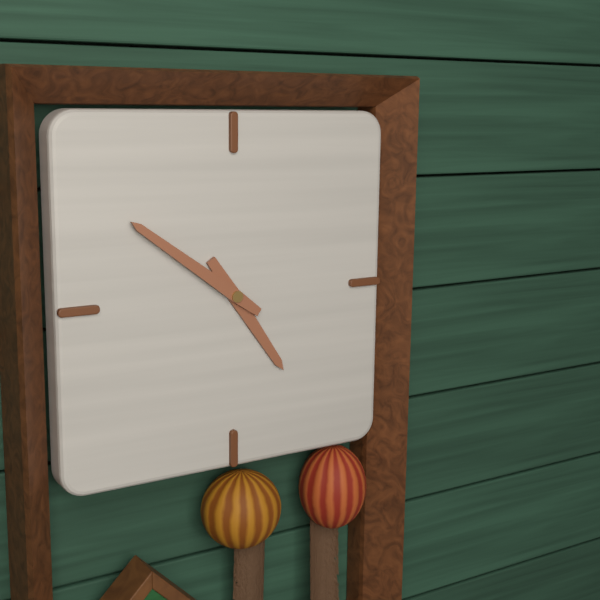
4h51
